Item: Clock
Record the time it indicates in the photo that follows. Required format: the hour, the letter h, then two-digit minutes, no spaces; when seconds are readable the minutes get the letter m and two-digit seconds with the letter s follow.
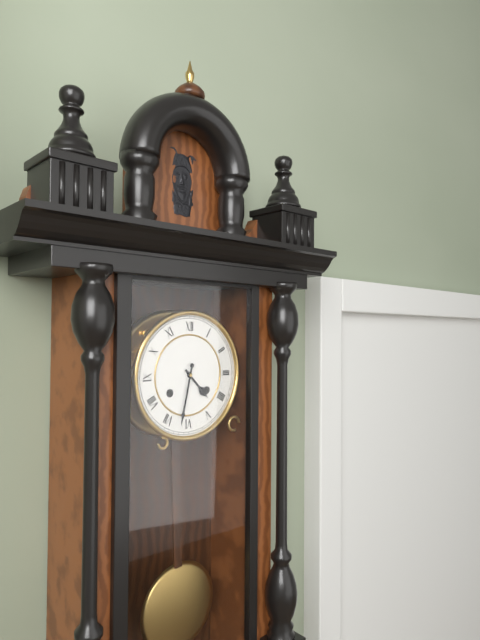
4h32
